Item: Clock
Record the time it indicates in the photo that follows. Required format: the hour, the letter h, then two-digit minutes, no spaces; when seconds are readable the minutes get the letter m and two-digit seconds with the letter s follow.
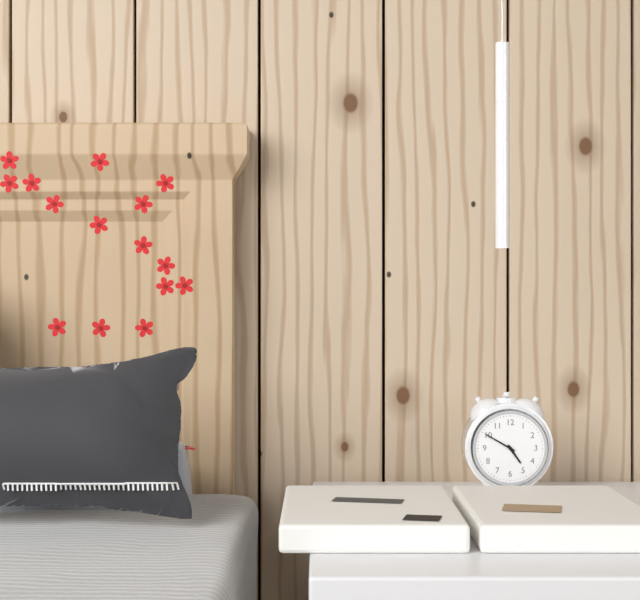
4h50
